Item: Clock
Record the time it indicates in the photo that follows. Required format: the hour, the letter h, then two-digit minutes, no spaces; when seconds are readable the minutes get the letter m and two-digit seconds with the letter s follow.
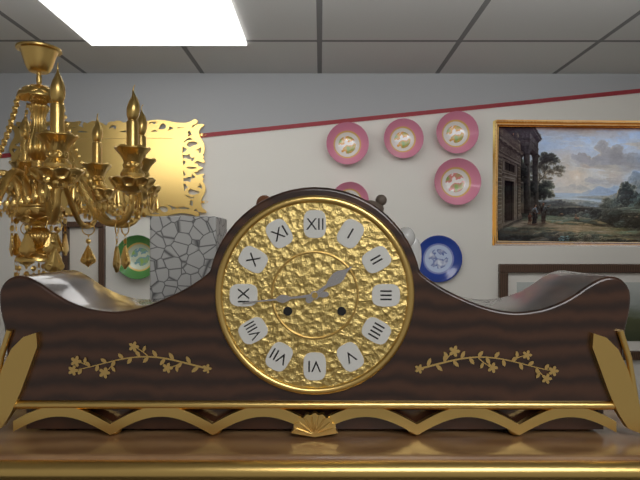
1h44
